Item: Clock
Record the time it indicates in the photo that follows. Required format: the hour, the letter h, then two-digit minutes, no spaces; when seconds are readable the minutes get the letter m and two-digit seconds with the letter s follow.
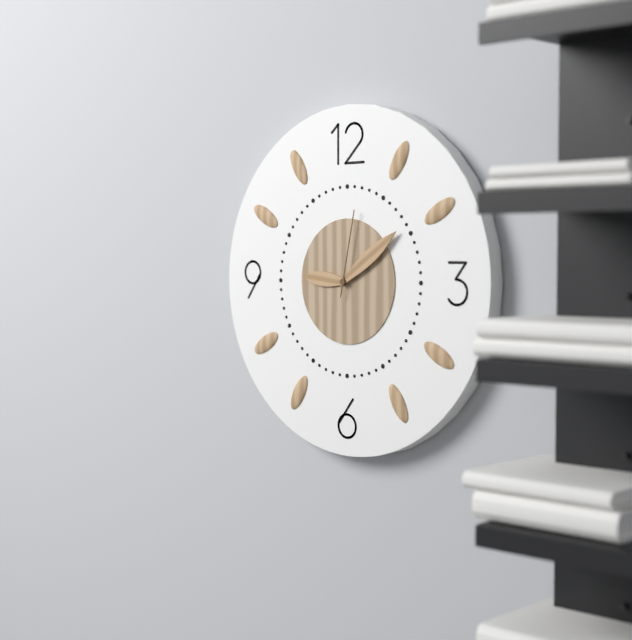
9h09m02s
